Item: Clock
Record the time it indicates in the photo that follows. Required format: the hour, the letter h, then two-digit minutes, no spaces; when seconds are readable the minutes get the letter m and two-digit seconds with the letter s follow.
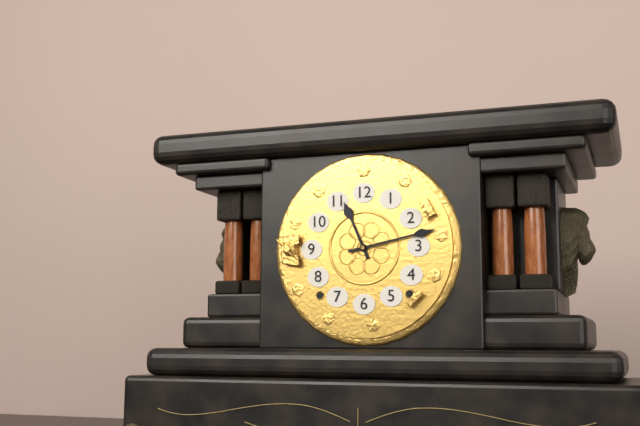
11h13
